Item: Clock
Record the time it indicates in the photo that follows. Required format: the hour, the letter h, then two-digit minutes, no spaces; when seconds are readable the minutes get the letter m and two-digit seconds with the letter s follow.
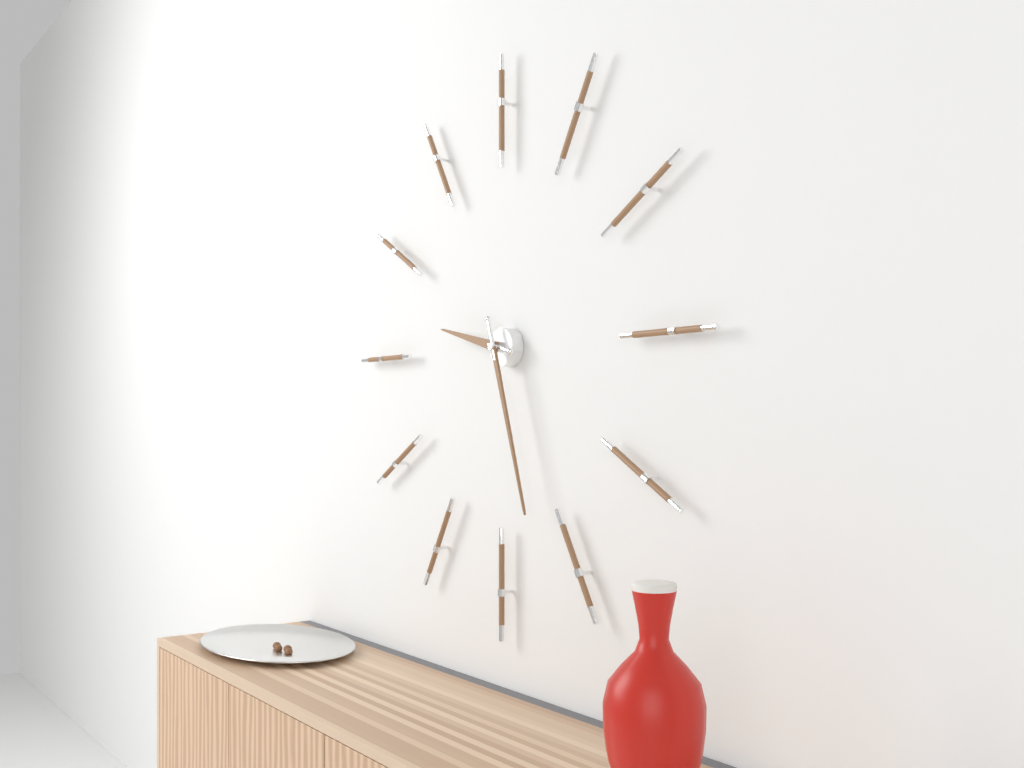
9h27
